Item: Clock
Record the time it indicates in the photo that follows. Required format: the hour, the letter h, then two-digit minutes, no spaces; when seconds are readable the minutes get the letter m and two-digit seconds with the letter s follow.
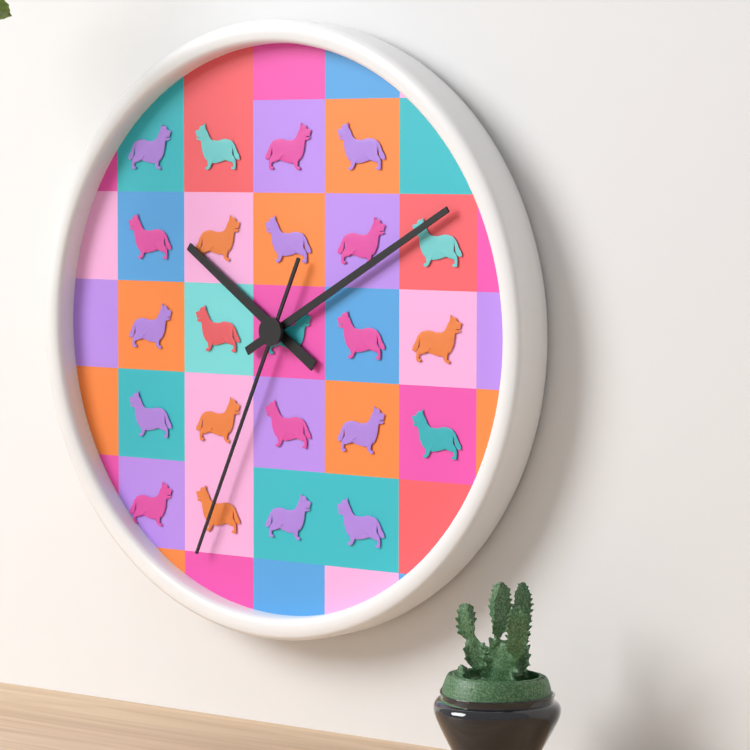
10h10m34s
